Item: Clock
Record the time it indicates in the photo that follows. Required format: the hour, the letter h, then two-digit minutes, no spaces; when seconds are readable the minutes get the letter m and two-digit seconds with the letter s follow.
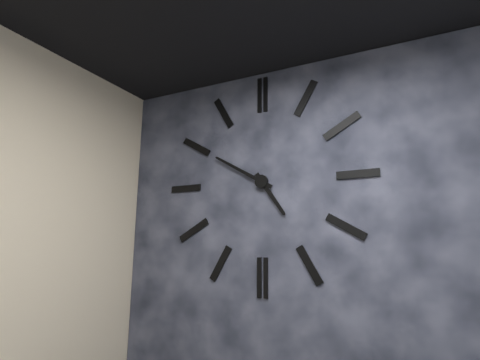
4h50
